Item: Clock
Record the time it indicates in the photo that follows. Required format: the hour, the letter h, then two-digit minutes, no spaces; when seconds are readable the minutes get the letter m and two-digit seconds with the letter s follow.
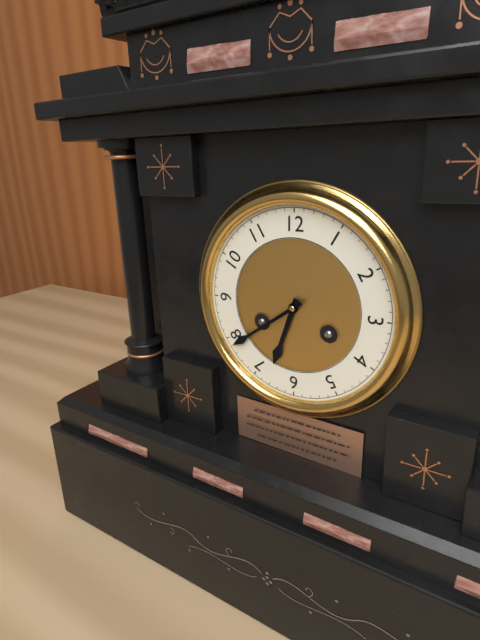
6h39
